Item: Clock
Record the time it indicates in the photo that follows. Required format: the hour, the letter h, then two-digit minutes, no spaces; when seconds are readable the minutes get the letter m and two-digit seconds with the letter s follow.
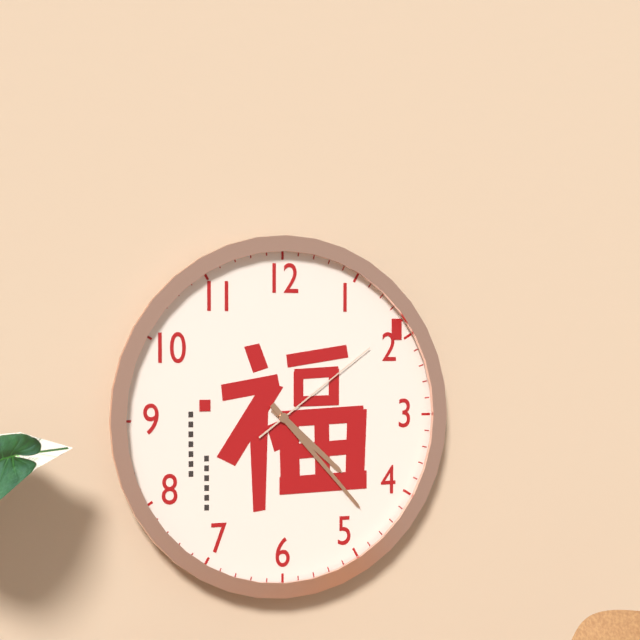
4h23m09s
